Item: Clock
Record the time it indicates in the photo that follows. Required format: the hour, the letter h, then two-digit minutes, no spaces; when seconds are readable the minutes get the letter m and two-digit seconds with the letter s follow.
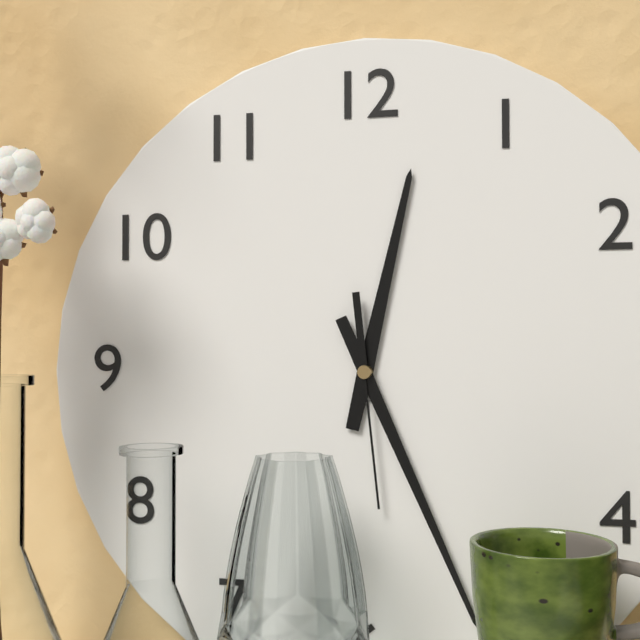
12h26m29s
